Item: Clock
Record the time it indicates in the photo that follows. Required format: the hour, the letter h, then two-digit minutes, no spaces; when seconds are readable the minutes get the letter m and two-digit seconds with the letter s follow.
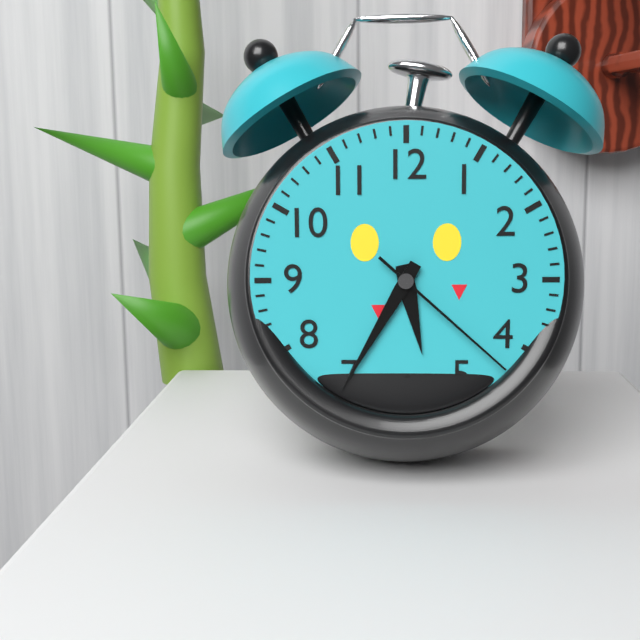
5h35m22s
